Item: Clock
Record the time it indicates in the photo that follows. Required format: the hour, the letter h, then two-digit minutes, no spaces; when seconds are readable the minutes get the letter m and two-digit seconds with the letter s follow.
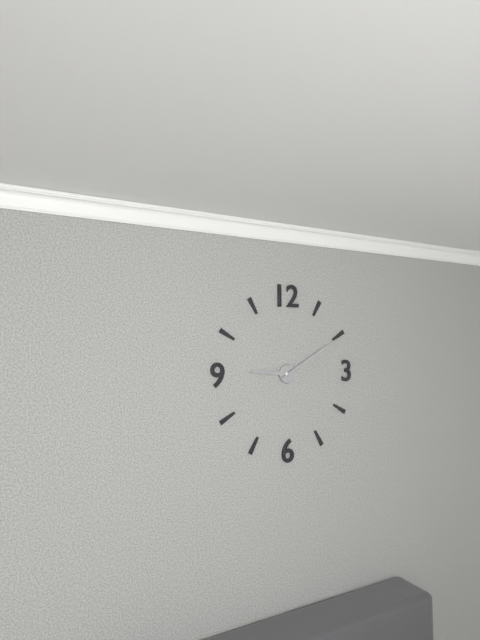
9h10
